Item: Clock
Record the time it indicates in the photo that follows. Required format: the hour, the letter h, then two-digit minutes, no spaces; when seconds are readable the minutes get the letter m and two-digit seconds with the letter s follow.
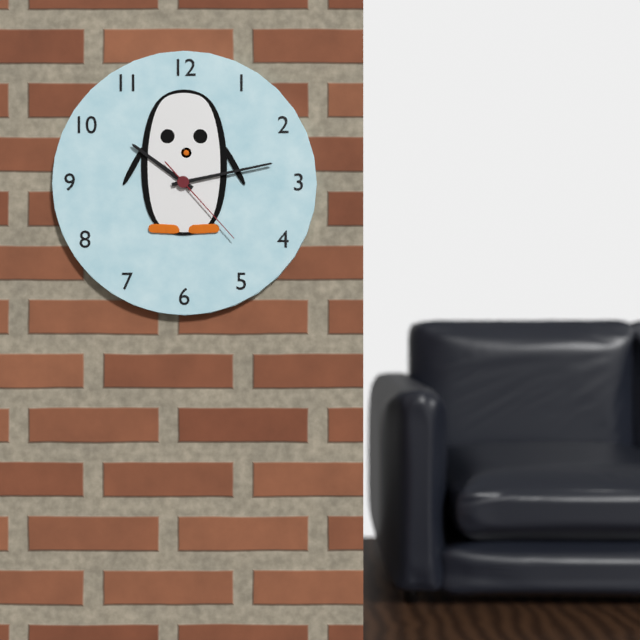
10h13m23s
